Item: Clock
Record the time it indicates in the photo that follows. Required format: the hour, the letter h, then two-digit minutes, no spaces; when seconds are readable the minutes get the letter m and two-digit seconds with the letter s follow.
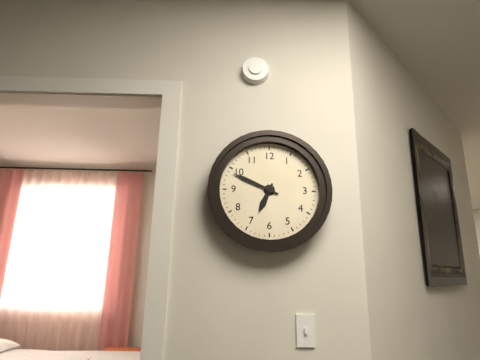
6h49
